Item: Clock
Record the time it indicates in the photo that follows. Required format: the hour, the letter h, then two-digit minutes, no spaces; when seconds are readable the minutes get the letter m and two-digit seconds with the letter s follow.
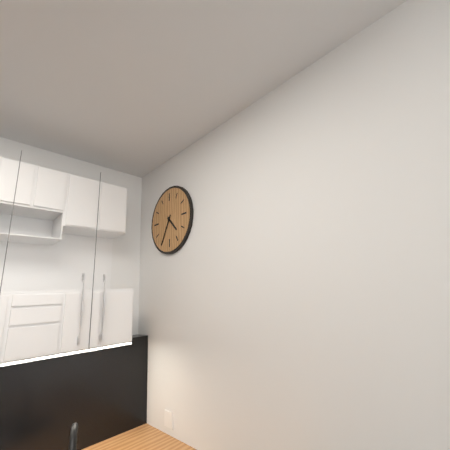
4h35
